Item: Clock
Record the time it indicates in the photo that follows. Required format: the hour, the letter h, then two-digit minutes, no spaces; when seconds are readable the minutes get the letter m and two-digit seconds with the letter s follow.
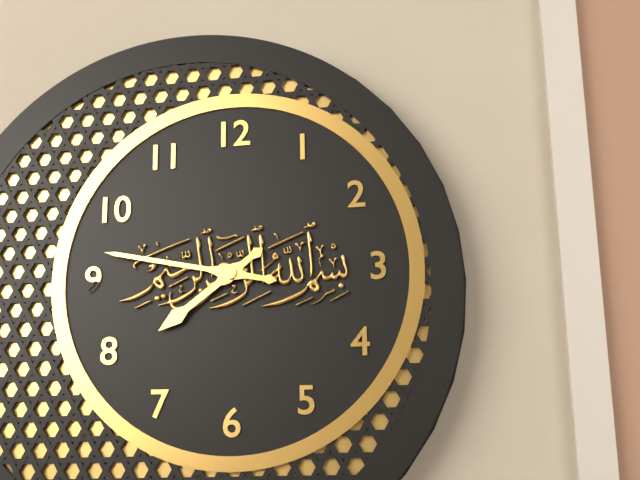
7h47
